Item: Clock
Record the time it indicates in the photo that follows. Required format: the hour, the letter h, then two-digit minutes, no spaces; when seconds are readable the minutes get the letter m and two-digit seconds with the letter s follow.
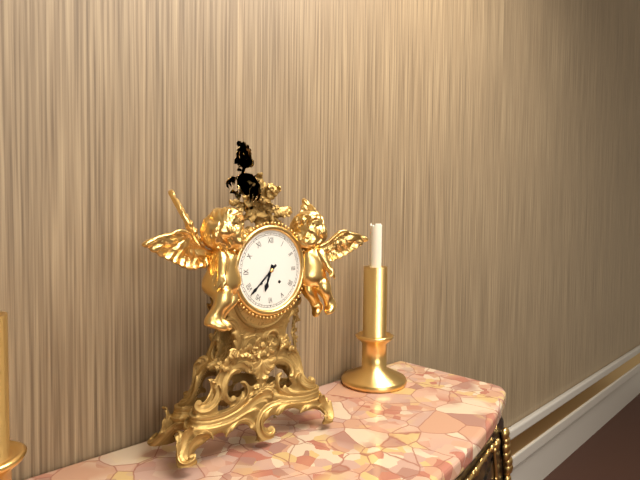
6h38
